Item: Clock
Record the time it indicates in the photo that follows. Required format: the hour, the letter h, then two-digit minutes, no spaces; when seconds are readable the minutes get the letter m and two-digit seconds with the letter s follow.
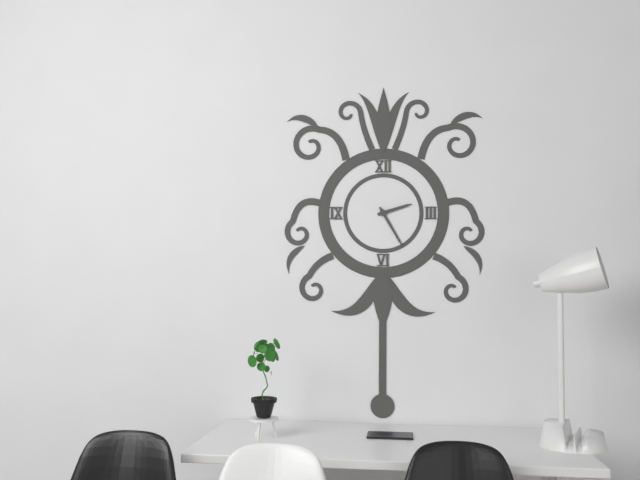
2h25
